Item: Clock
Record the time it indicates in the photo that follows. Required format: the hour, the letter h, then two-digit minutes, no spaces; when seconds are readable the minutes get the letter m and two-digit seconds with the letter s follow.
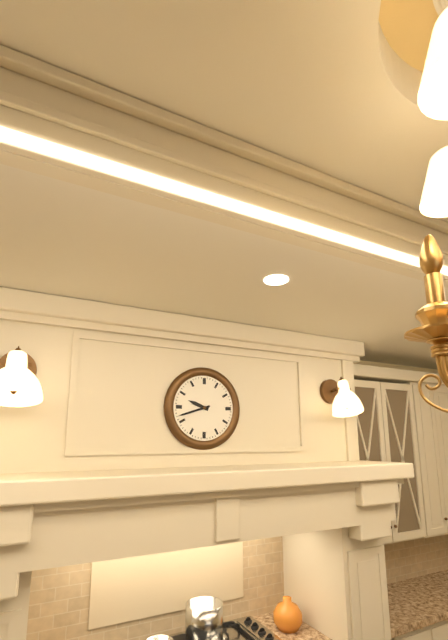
9h42
